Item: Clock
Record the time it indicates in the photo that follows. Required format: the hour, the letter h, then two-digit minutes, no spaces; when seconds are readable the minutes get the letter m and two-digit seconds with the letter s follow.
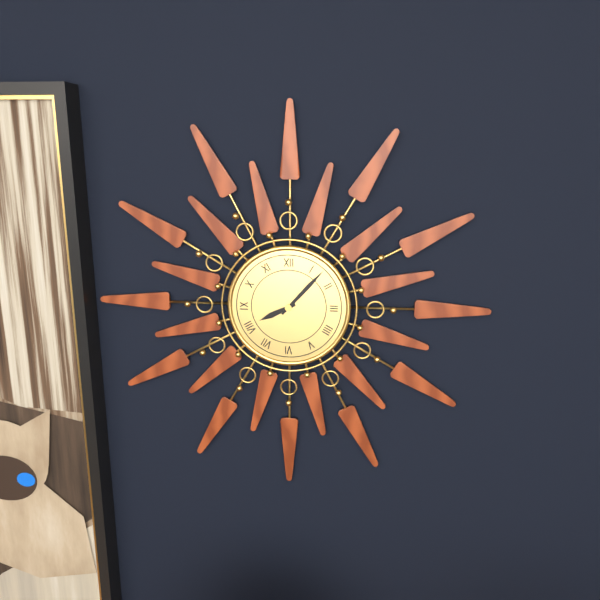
8h07
